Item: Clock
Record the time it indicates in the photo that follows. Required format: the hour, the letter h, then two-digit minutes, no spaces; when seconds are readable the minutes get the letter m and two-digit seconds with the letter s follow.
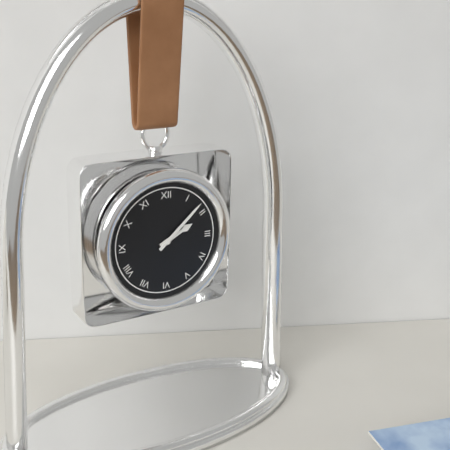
2h08
